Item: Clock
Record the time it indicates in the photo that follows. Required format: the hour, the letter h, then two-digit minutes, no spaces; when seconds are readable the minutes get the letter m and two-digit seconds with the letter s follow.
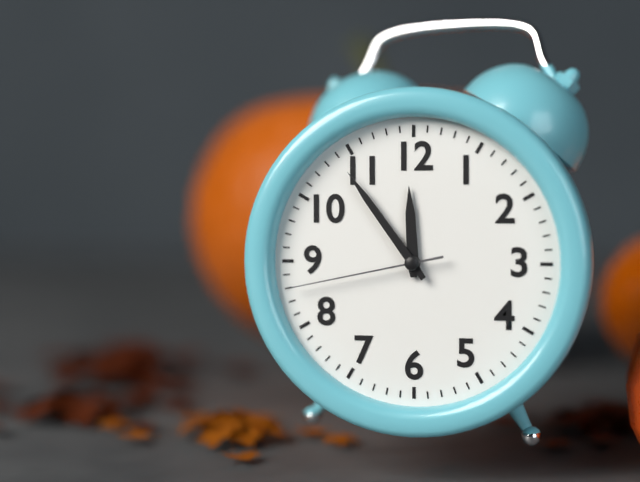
11h54m43s
